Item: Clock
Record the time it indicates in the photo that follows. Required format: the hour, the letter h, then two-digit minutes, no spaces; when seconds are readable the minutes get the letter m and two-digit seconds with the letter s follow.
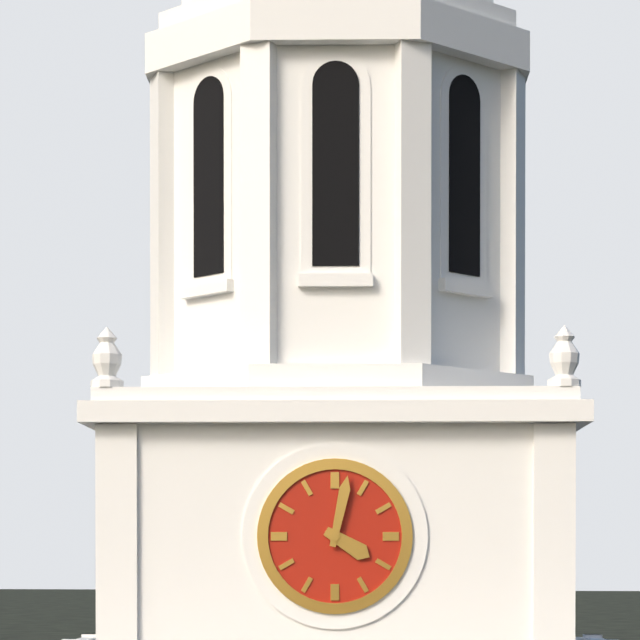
4h02
